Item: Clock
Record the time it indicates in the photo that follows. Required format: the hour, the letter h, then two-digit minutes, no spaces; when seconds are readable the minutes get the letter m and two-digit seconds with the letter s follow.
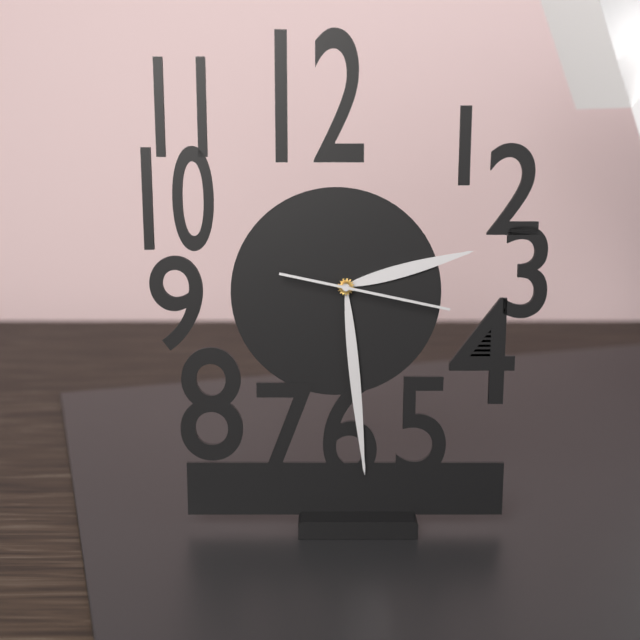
2h29m17s
